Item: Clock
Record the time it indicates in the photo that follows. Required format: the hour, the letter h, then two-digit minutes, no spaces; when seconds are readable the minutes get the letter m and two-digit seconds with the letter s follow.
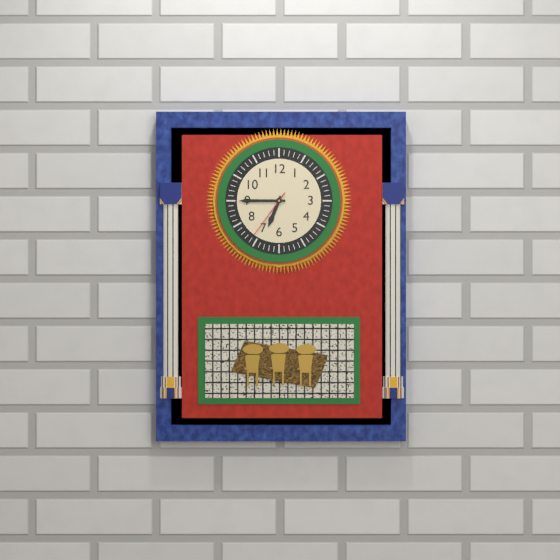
6h45m36s
